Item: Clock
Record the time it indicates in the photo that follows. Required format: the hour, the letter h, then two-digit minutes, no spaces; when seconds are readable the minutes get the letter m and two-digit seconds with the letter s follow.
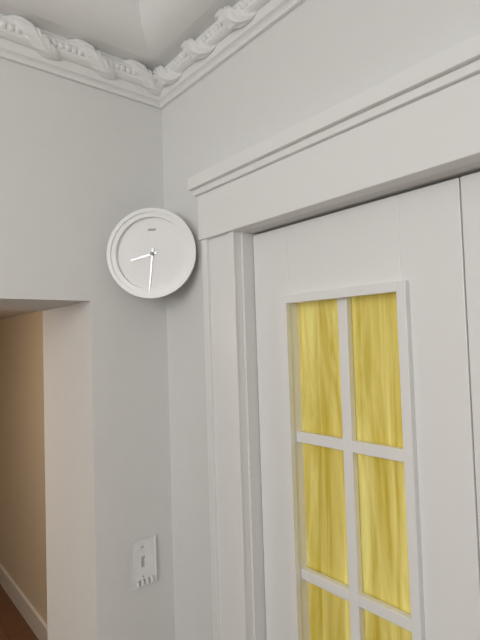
8h31
